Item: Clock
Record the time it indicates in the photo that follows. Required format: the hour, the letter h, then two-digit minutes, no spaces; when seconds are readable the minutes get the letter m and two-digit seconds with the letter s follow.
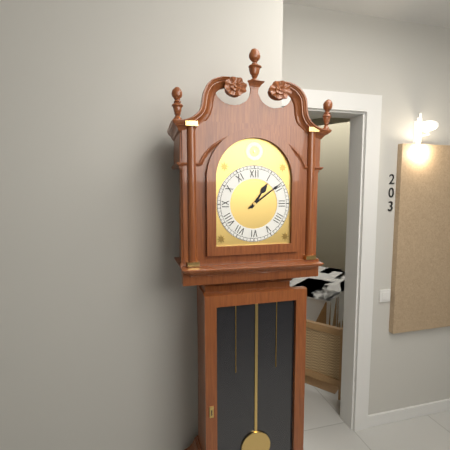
1h09
